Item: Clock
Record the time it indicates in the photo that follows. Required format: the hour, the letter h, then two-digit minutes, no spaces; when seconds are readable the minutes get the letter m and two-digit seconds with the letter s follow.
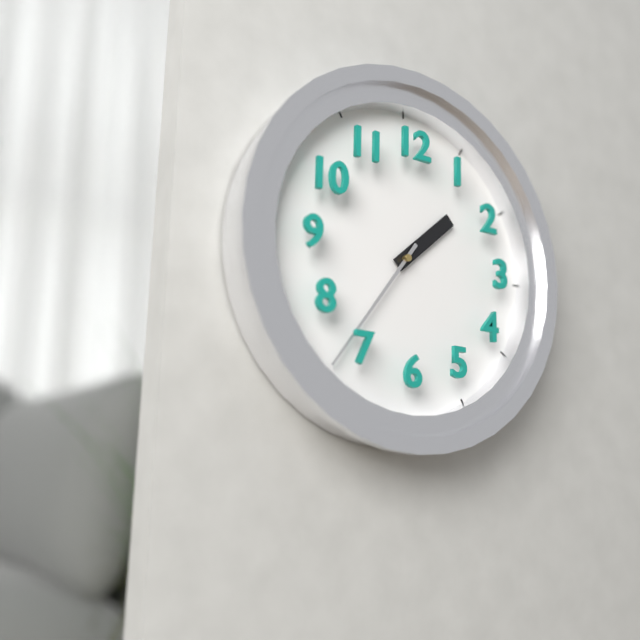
1h36
